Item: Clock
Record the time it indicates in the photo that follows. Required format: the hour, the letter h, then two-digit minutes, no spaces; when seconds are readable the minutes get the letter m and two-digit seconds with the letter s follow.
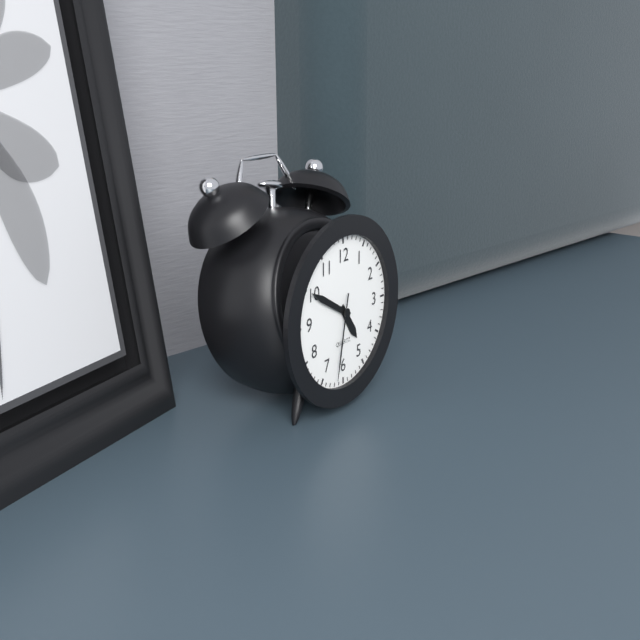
4h50m32s
